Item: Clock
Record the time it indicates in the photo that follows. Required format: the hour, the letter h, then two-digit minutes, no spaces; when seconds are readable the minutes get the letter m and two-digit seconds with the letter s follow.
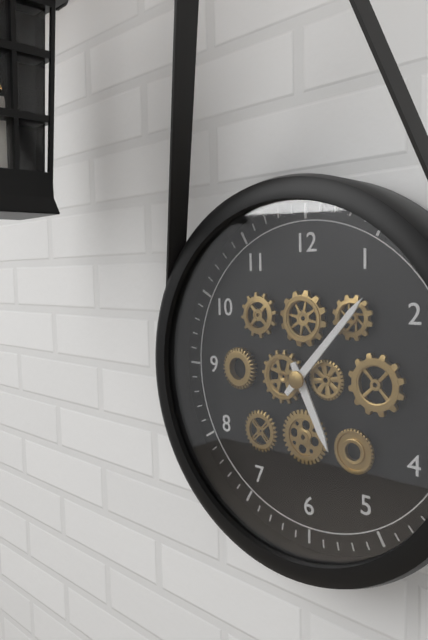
5h07
